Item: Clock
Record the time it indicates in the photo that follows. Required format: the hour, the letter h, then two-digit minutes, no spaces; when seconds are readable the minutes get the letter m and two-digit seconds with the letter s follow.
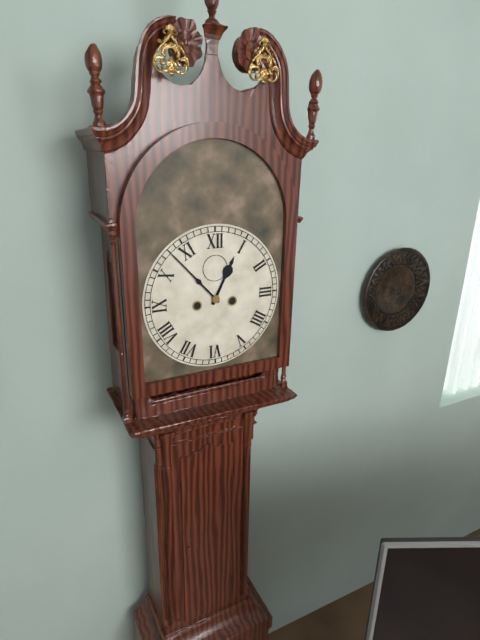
12h53
